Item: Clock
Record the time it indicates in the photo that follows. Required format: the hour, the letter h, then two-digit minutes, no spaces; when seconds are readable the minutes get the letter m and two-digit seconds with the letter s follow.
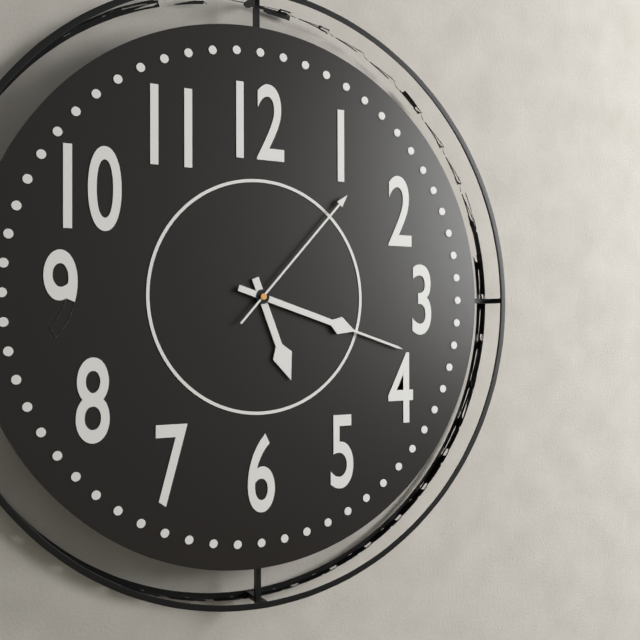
5h18m07s
